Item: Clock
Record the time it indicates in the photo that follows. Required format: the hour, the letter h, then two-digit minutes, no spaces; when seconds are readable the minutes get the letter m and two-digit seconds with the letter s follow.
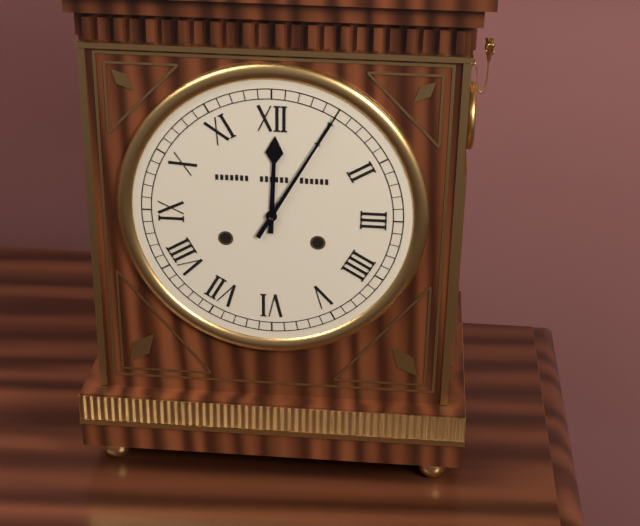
12h05
